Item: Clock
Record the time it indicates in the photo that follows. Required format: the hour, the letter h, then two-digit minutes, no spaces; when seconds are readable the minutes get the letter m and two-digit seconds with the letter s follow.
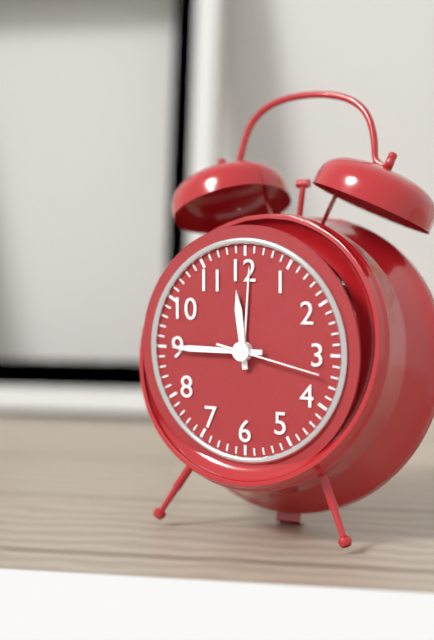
11h45m17s
